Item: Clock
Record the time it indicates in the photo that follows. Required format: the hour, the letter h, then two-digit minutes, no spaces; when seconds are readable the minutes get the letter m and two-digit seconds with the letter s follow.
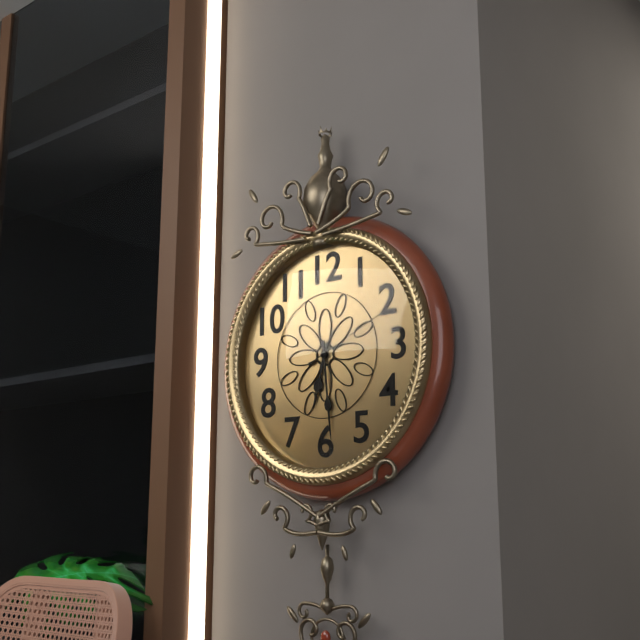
6h29m11s
